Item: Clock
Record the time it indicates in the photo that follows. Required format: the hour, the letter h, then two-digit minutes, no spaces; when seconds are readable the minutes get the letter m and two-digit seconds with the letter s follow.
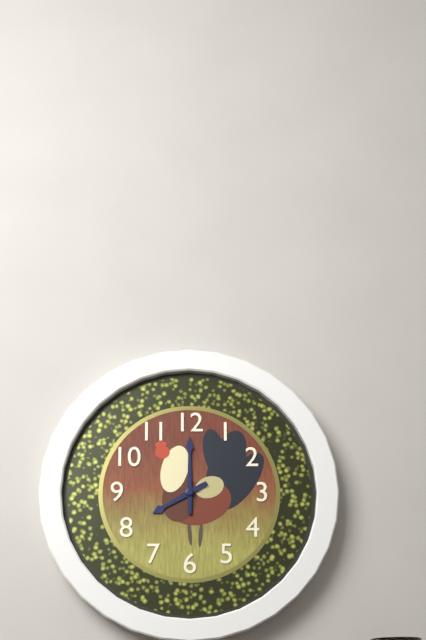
8h00
